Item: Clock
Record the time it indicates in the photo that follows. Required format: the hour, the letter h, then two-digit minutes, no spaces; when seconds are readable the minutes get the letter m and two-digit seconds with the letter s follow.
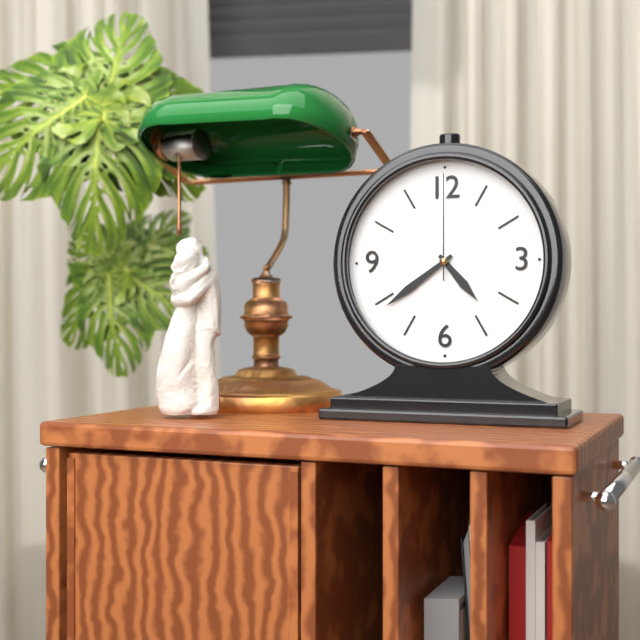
4h39m00s
